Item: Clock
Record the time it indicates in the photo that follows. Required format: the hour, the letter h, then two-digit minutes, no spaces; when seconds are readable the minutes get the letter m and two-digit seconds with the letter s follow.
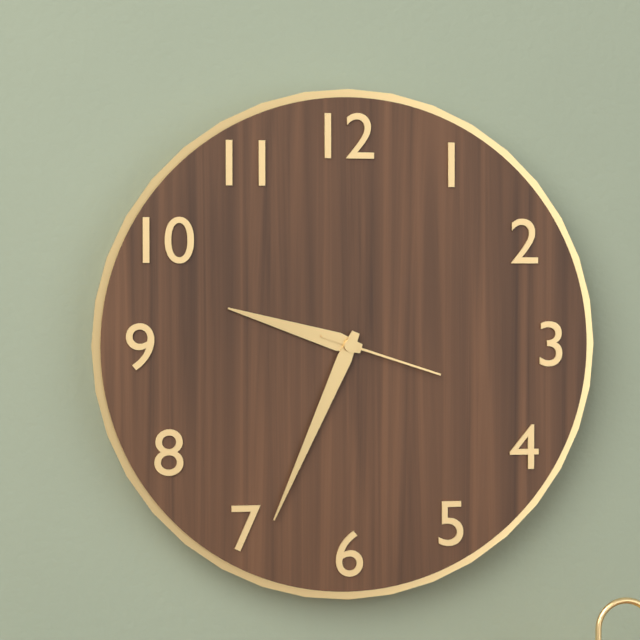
9h34m18s
